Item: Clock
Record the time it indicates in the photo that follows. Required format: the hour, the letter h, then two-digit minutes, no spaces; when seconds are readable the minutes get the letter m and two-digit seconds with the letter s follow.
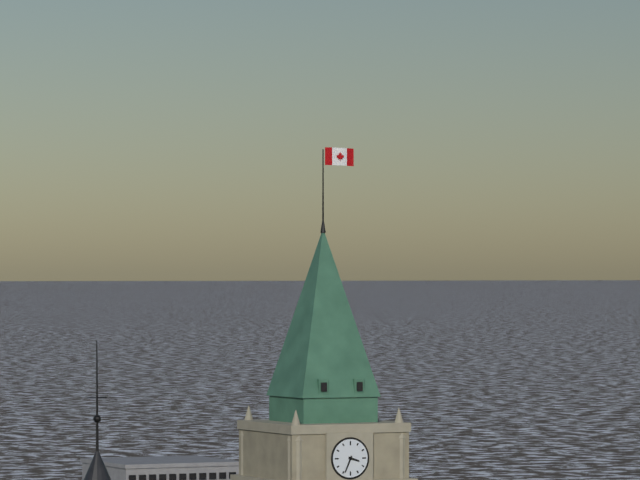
3h34
